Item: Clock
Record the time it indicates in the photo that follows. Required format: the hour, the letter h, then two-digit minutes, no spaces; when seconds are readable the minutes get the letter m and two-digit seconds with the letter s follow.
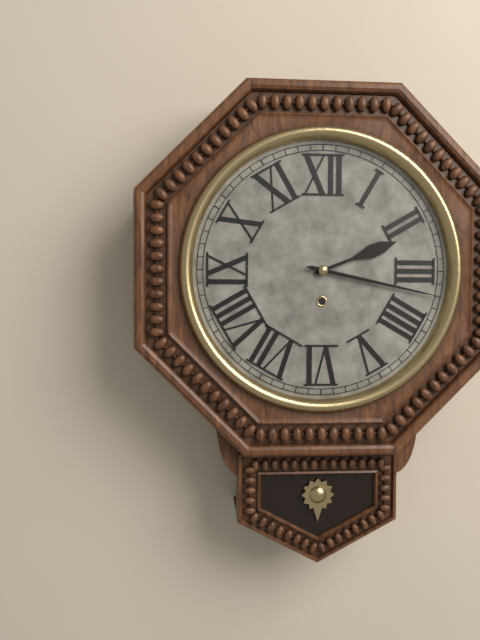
2h17
